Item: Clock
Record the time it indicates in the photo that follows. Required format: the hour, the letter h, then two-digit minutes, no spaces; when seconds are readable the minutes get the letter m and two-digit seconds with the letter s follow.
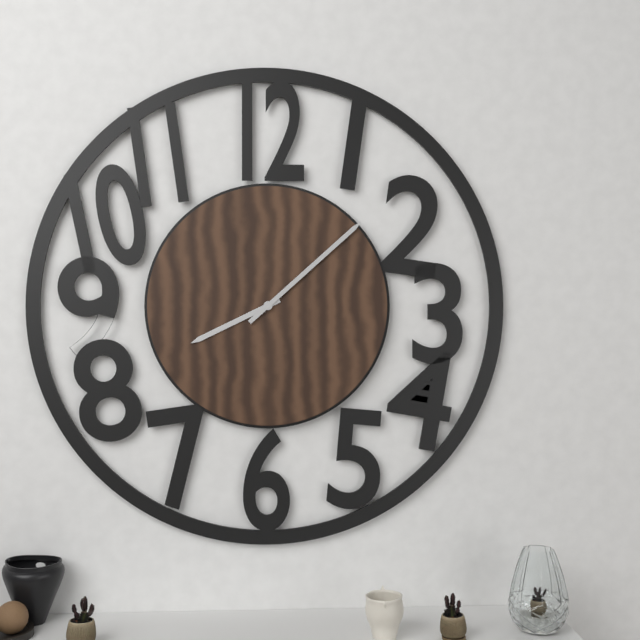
8h08
